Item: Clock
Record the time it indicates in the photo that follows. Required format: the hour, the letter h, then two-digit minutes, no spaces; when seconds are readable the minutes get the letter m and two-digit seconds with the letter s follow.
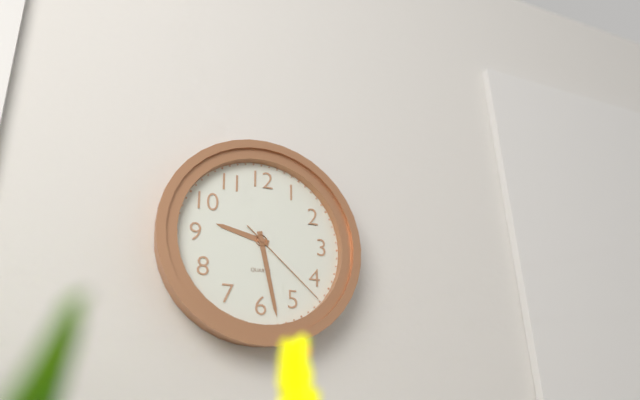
9h28m22s
